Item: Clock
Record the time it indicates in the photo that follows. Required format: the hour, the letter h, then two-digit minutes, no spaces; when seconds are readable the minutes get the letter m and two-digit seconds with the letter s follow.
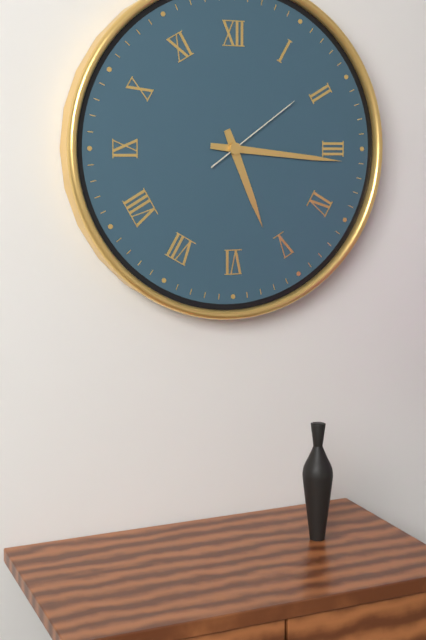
5h16m09s
